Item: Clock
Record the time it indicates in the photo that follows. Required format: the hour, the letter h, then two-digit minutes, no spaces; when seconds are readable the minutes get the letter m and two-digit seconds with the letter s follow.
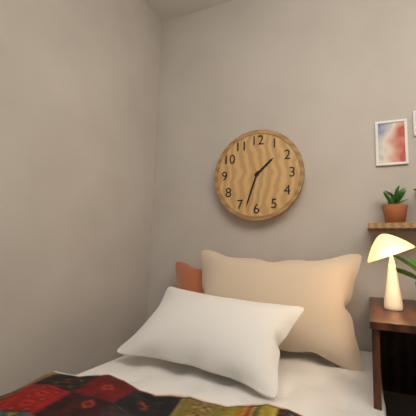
1h33
